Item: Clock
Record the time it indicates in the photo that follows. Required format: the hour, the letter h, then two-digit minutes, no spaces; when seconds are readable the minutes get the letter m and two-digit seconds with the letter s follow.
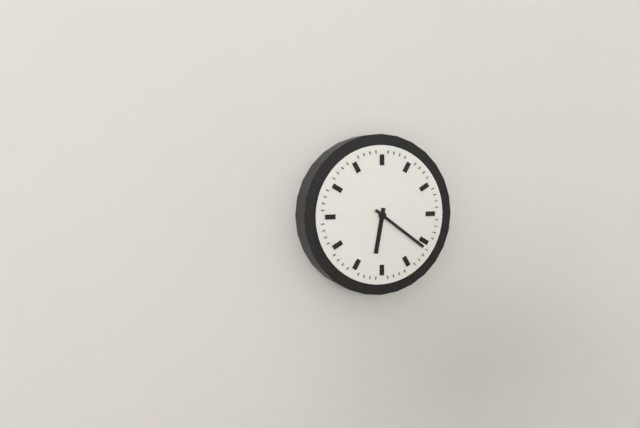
6h21
